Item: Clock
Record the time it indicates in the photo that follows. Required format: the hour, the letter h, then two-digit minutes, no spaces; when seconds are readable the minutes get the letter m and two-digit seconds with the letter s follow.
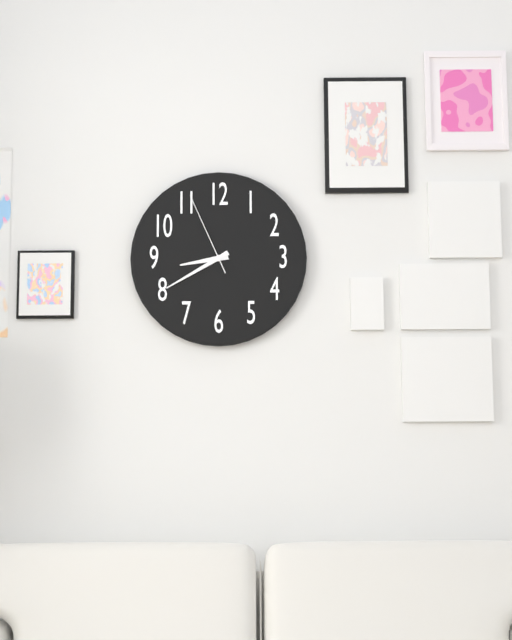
8h40m56s
